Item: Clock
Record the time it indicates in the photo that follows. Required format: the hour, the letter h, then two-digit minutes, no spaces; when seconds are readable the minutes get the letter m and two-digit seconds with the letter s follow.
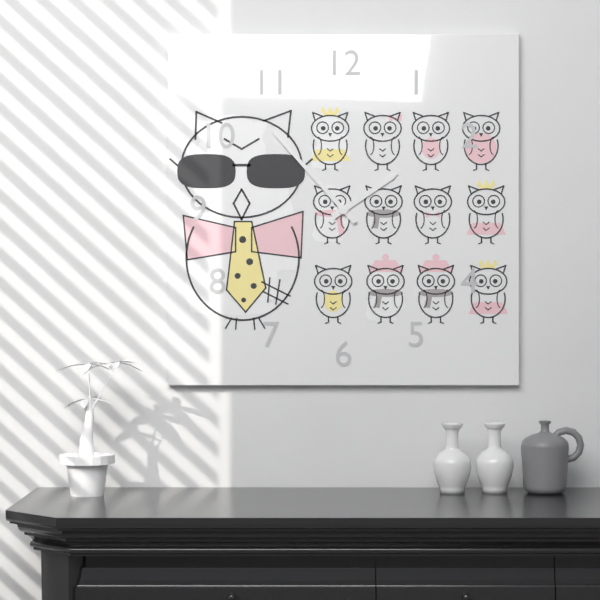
1h53
